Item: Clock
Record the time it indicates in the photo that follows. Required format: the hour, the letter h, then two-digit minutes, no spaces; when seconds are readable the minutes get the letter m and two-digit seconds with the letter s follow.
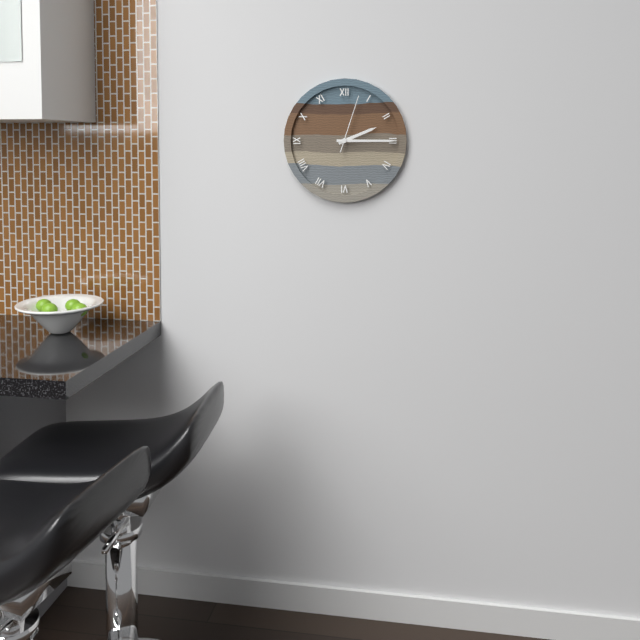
2h15m03s
